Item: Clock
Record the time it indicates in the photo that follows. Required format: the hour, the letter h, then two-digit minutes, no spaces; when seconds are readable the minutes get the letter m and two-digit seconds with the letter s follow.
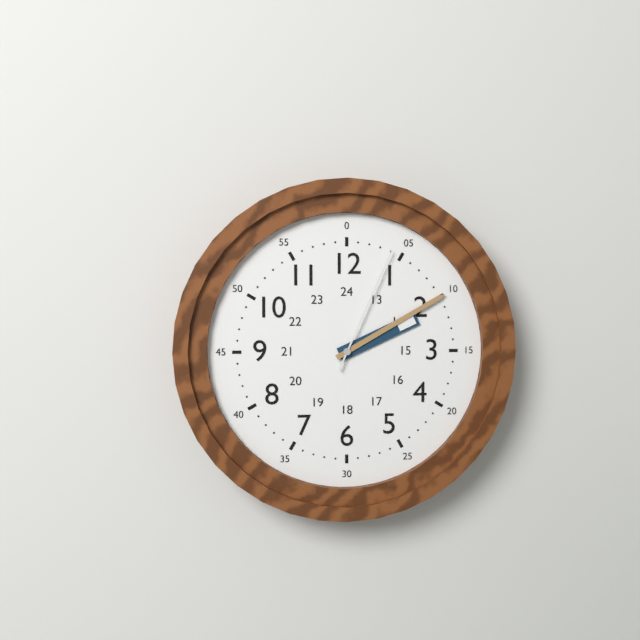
2h10m04s
